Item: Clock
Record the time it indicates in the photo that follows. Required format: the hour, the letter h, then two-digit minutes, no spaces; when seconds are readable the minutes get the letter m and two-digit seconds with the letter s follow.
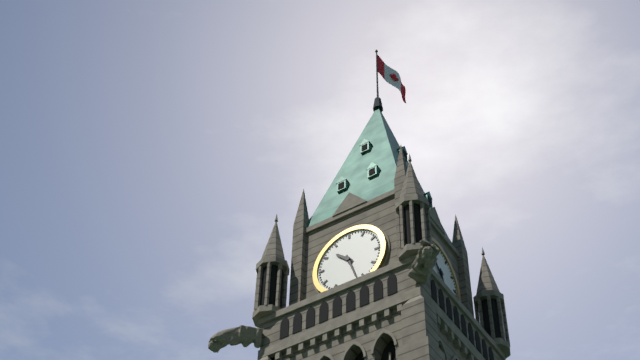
10h27
